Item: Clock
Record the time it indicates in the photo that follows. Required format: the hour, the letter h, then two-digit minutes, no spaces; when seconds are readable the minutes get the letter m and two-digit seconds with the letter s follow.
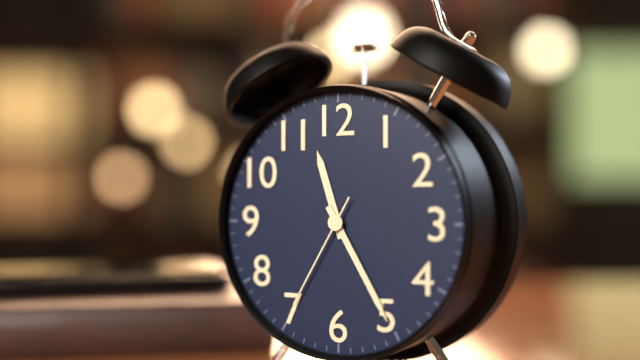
11h25m35s
